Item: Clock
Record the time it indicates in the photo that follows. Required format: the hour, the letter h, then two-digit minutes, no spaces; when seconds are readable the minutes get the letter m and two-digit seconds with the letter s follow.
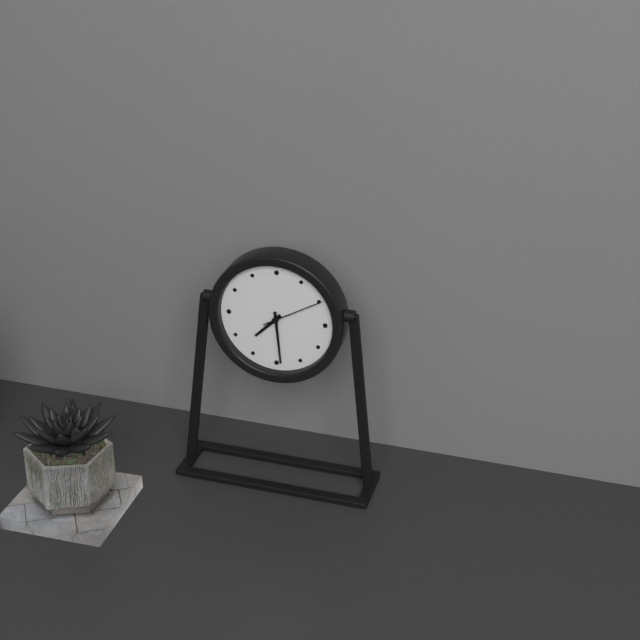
7h29m10s
